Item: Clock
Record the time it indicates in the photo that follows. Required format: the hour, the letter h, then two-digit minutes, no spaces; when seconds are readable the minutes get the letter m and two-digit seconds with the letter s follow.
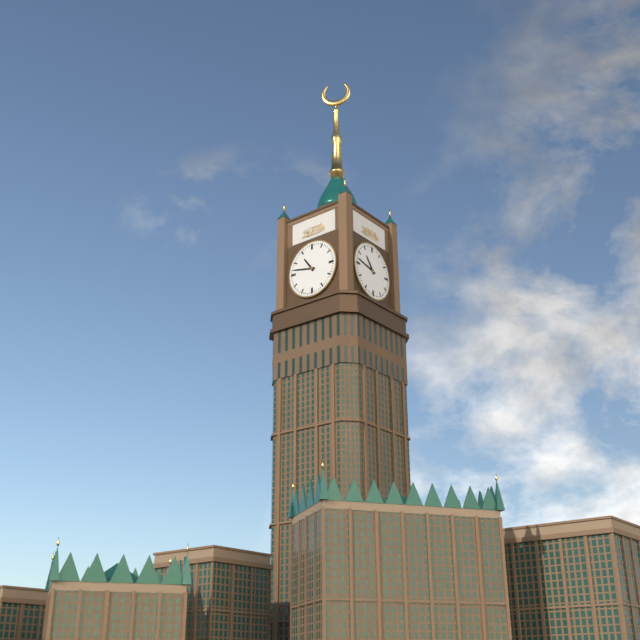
10h47
